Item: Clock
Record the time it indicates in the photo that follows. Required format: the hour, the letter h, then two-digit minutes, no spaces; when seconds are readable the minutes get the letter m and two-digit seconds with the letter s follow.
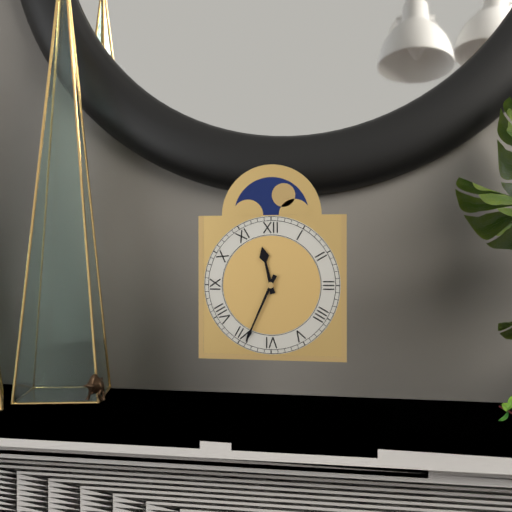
11h34
